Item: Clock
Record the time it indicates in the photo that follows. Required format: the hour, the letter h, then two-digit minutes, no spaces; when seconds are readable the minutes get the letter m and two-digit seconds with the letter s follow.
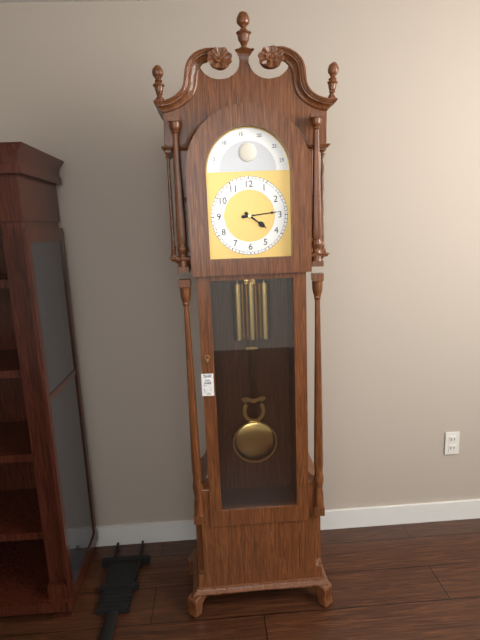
4h14
